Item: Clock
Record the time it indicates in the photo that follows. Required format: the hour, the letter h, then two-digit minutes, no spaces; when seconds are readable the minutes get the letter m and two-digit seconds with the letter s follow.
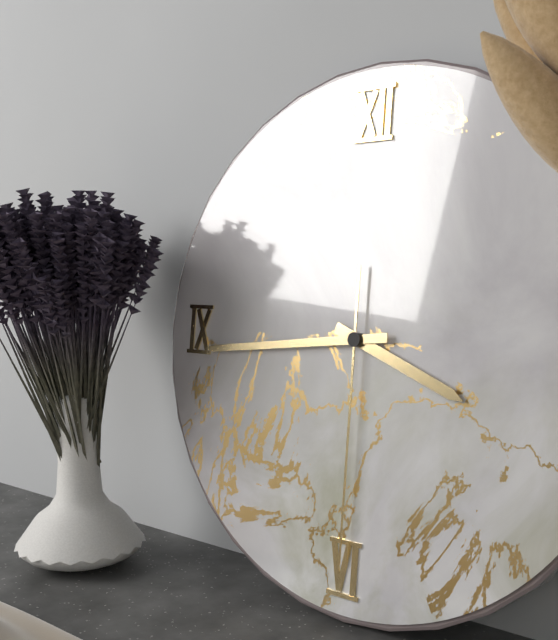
3h44m30s
